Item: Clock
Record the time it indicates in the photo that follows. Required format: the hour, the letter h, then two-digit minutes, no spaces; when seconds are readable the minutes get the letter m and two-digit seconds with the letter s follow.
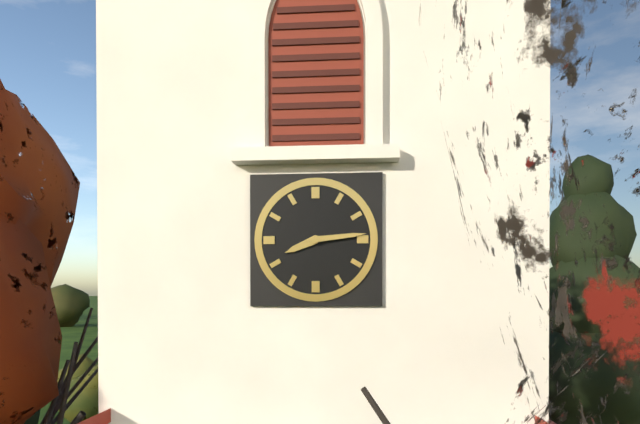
8h14
